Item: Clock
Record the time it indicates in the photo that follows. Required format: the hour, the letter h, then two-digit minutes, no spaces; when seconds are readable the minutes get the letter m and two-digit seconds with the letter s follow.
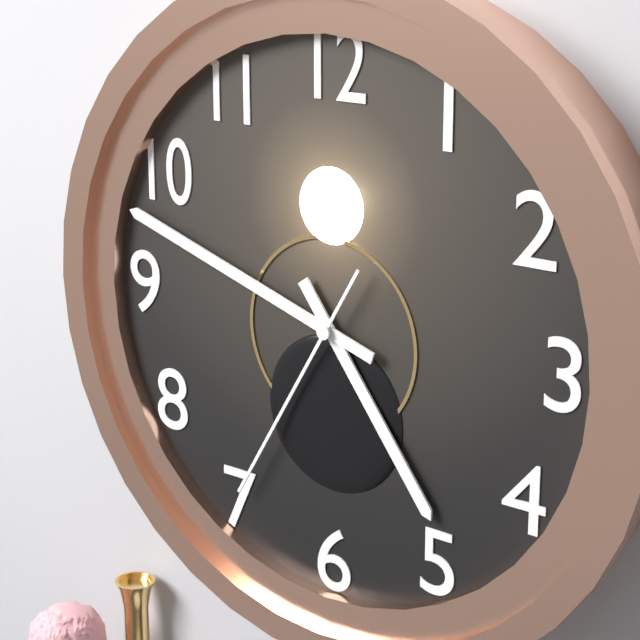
4h48m35s
